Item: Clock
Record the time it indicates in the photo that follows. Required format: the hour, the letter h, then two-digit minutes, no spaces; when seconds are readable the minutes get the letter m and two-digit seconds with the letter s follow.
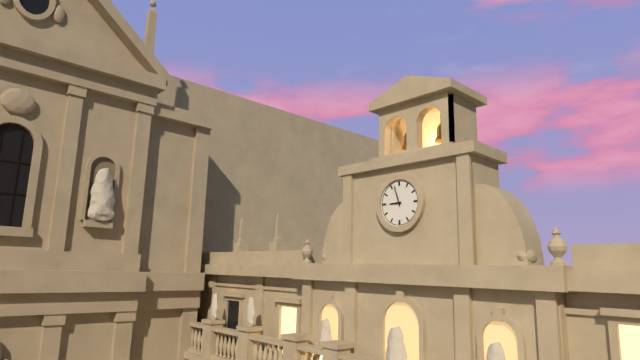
8h57
